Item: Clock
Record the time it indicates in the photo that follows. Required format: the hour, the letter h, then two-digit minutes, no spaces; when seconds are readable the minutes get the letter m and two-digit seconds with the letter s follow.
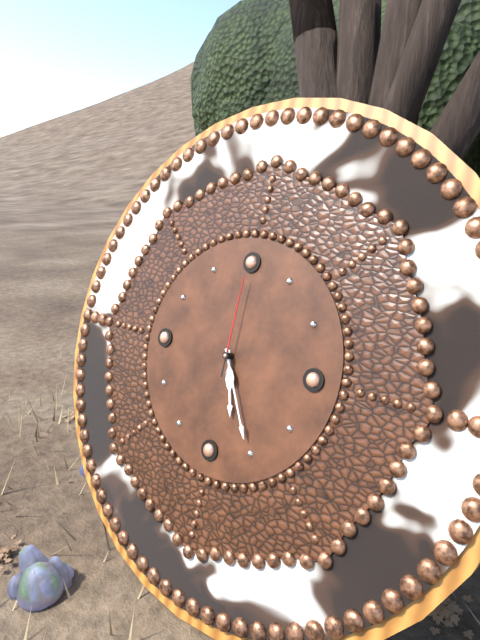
5h25m00s
